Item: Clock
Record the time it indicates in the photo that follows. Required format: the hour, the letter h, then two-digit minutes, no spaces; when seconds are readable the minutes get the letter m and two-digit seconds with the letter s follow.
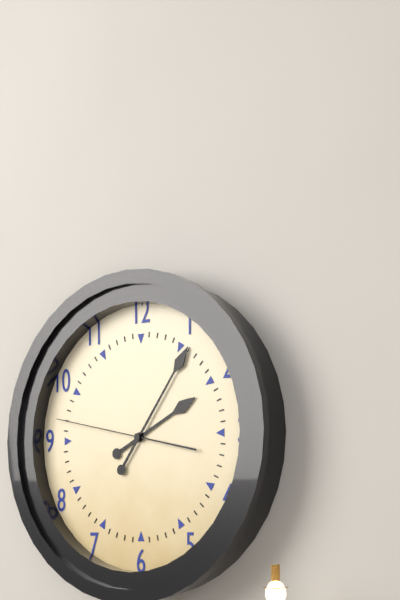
2h06m47s
